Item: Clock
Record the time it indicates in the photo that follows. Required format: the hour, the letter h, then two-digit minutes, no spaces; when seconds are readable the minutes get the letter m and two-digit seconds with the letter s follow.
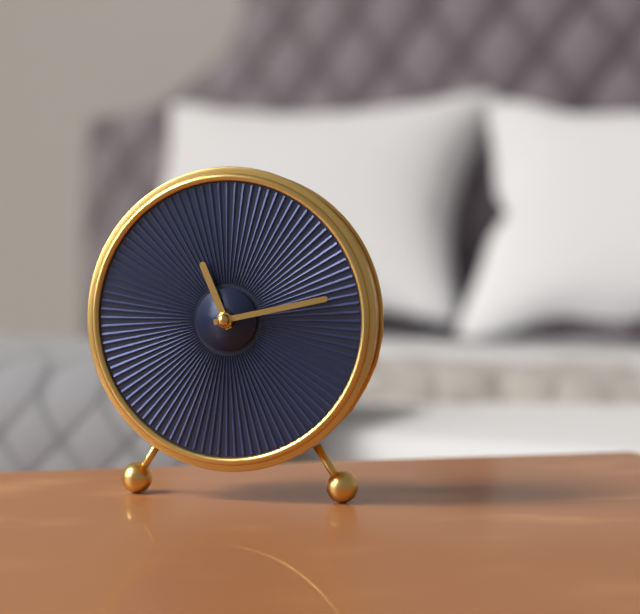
11h13
